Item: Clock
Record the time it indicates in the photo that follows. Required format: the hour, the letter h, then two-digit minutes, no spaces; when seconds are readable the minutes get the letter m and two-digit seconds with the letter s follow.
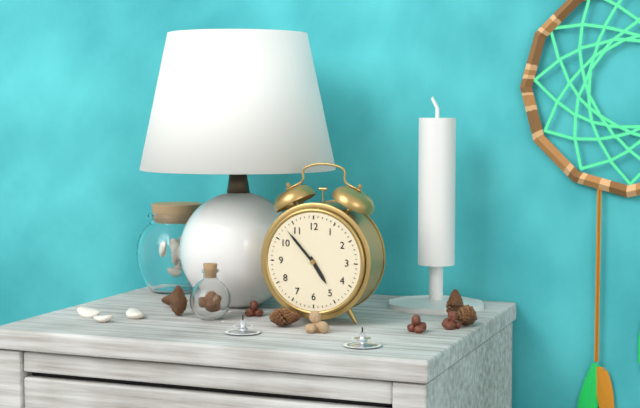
4h53
